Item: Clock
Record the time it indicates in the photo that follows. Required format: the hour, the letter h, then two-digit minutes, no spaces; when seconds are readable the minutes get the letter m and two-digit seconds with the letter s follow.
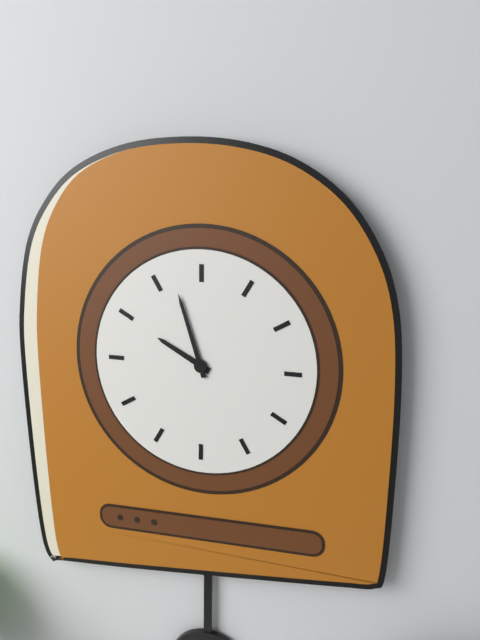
9h57
